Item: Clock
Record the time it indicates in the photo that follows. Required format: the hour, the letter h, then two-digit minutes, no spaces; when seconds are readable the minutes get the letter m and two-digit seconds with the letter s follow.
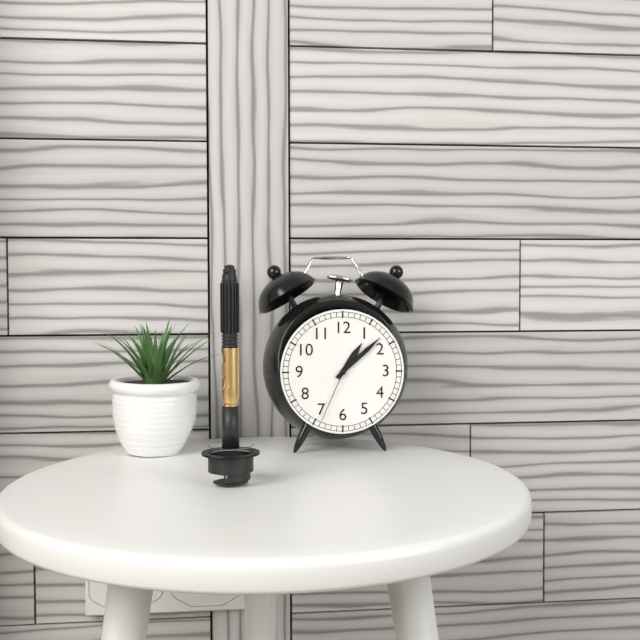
1h08m34s
